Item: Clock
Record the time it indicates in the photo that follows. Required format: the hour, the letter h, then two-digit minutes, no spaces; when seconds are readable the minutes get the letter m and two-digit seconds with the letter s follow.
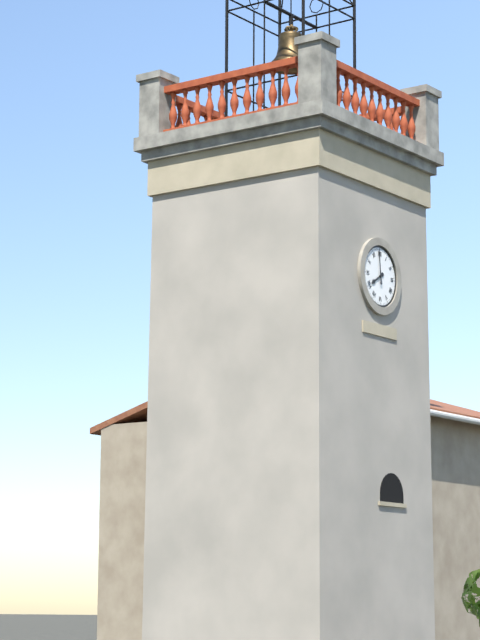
7h59
